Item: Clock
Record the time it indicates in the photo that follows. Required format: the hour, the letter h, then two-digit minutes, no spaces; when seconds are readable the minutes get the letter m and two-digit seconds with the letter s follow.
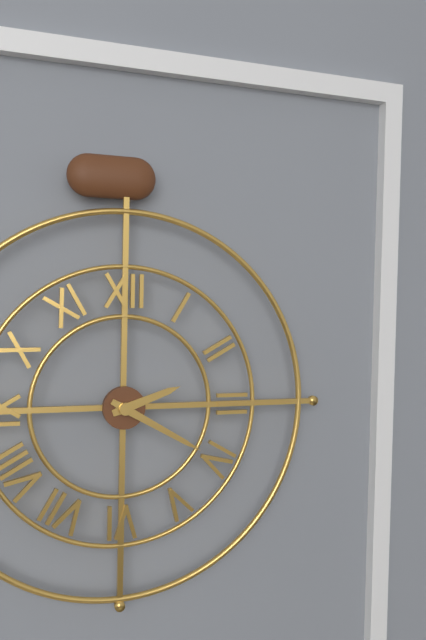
2h20
